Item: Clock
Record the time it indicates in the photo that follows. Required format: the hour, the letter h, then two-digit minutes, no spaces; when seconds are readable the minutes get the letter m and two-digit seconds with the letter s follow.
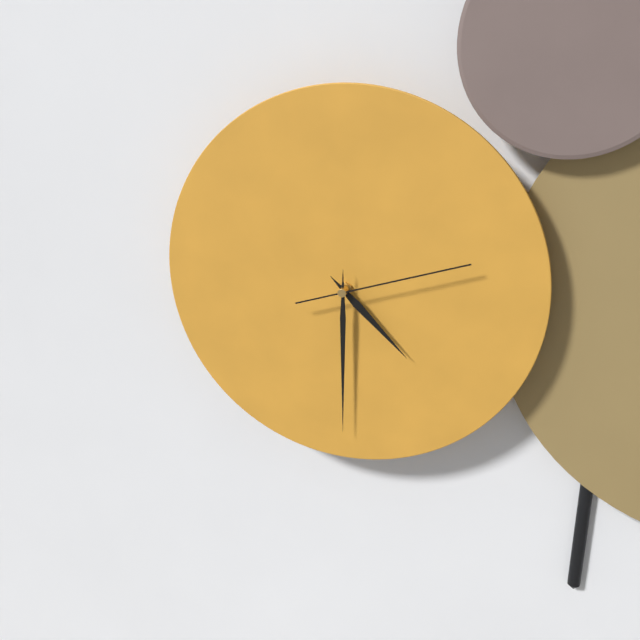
4h30m12s
